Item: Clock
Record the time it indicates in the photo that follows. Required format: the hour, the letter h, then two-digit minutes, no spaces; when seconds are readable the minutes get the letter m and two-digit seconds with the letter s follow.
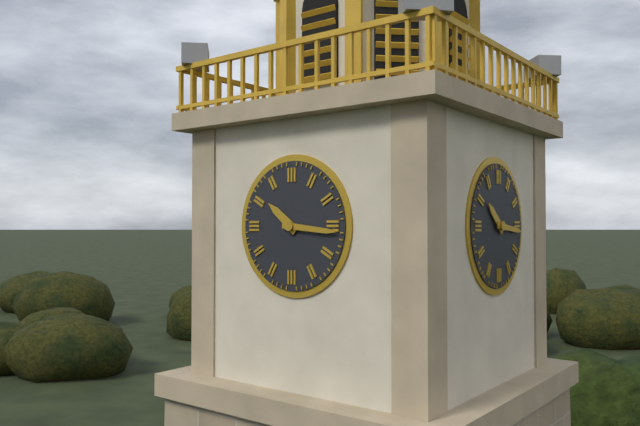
10h16
